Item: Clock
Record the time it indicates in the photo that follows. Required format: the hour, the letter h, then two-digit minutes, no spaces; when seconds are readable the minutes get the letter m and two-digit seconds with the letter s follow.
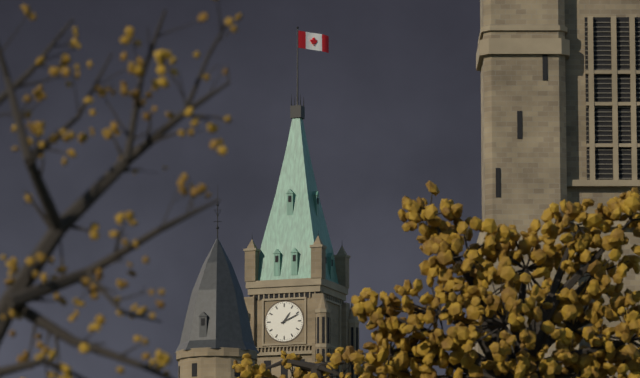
1h11
